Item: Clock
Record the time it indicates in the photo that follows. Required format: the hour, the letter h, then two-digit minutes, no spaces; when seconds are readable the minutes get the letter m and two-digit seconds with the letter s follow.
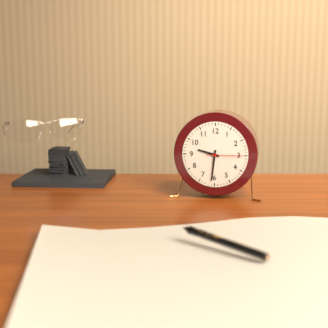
9h31
